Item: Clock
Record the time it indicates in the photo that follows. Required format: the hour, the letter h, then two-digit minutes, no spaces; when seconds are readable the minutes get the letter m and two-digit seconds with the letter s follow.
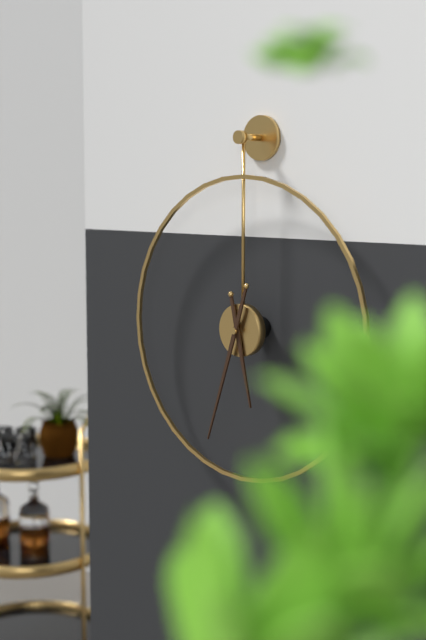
5h33
